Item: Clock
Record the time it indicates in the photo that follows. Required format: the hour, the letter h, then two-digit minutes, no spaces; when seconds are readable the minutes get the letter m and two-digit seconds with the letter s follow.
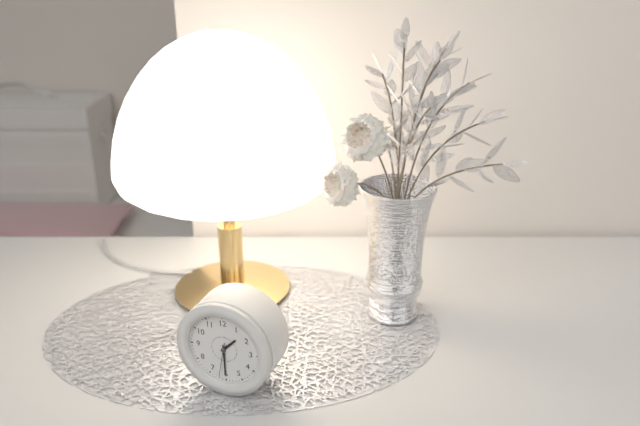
1h30
